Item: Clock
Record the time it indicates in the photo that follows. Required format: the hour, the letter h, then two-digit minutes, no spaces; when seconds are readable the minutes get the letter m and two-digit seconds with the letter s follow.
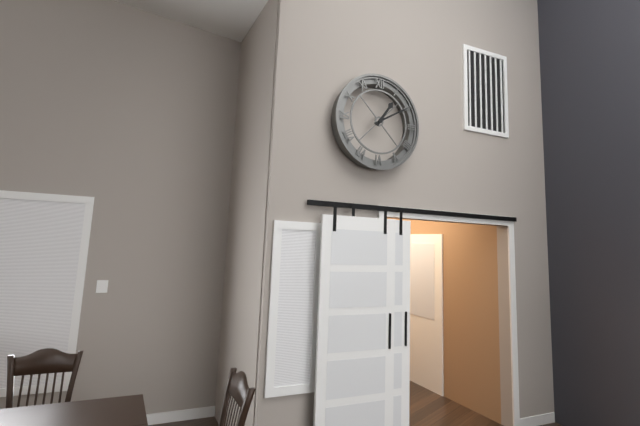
1h10
